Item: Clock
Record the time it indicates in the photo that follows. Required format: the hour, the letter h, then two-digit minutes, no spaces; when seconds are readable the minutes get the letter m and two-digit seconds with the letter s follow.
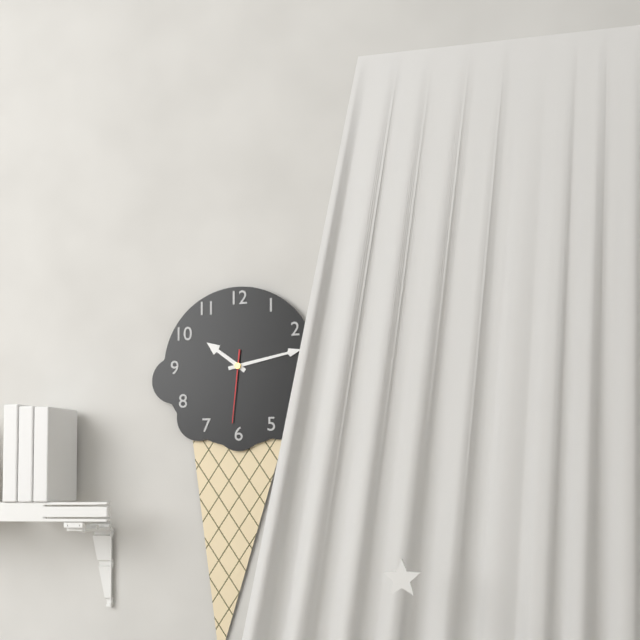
10h13m31s
